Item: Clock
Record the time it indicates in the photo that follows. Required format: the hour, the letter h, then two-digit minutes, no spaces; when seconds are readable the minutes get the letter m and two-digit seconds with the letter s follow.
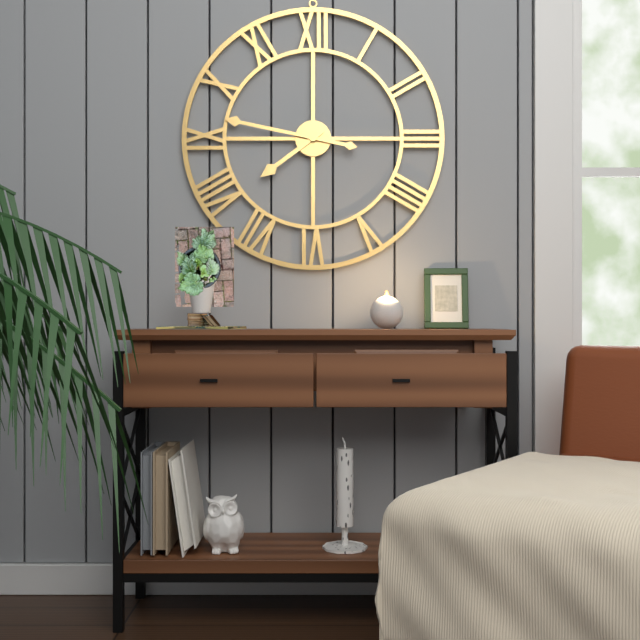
7h47
